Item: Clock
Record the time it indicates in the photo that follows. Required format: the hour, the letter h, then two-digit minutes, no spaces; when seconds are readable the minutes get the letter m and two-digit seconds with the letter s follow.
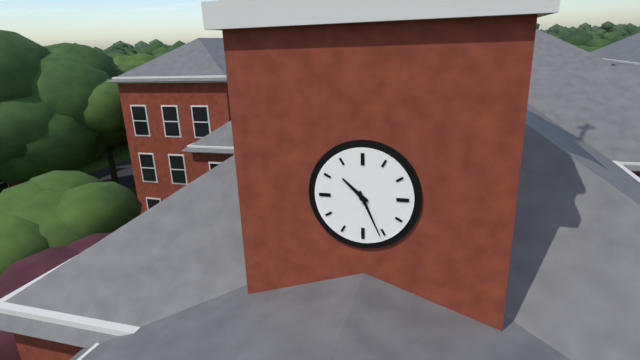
10h26
